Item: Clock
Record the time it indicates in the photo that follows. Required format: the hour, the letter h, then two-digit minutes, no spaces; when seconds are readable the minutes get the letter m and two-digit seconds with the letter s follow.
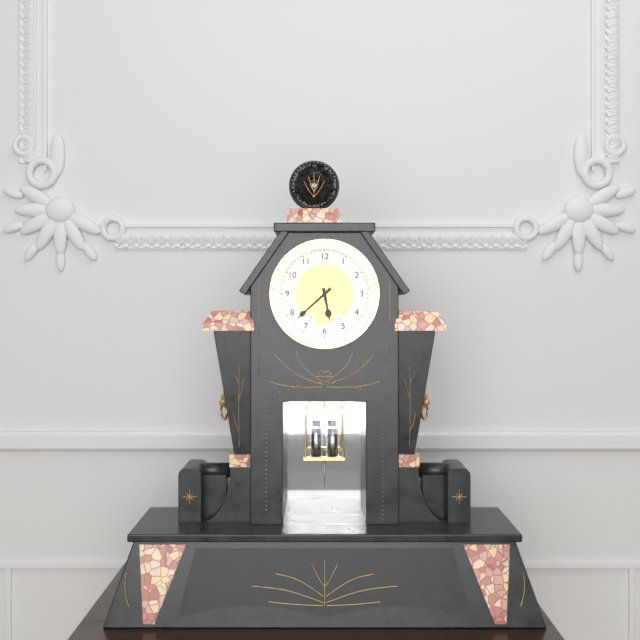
5h38
